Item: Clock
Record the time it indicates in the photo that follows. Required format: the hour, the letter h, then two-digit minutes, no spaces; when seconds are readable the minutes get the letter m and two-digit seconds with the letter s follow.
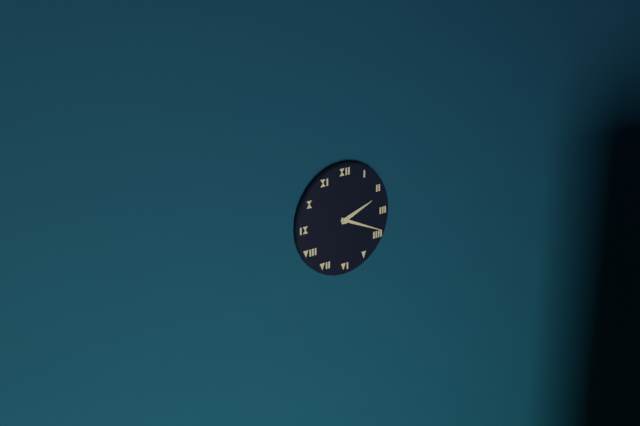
2h19
